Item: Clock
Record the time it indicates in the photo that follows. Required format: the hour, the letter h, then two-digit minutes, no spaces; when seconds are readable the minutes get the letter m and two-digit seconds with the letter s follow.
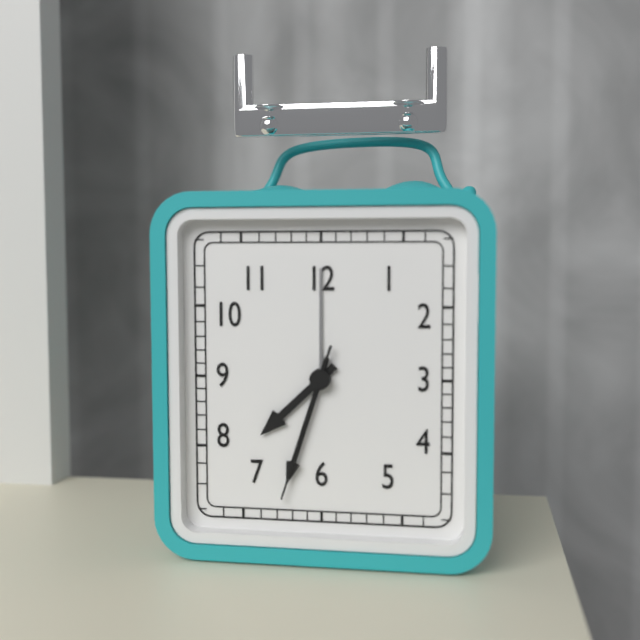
7h33m33s
